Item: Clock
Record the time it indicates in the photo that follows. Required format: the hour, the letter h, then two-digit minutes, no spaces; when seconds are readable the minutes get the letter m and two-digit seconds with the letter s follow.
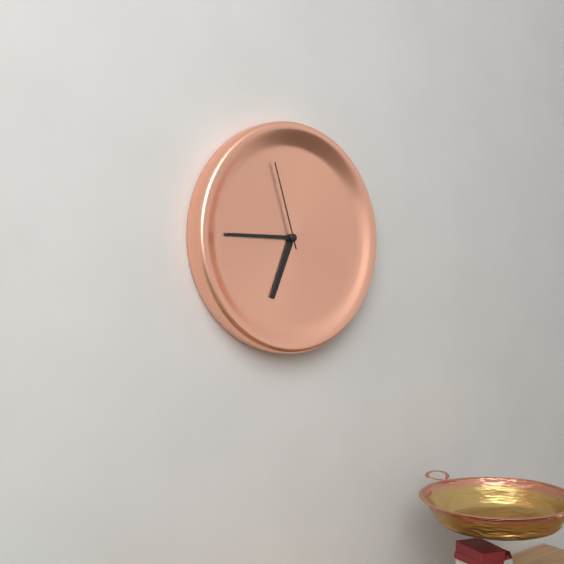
6h45m57s
